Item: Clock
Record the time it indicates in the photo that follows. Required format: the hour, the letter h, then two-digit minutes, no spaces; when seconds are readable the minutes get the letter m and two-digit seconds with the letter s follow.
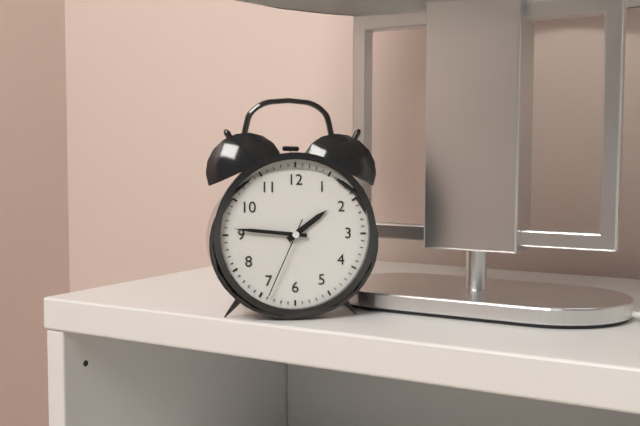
1h46m34s
